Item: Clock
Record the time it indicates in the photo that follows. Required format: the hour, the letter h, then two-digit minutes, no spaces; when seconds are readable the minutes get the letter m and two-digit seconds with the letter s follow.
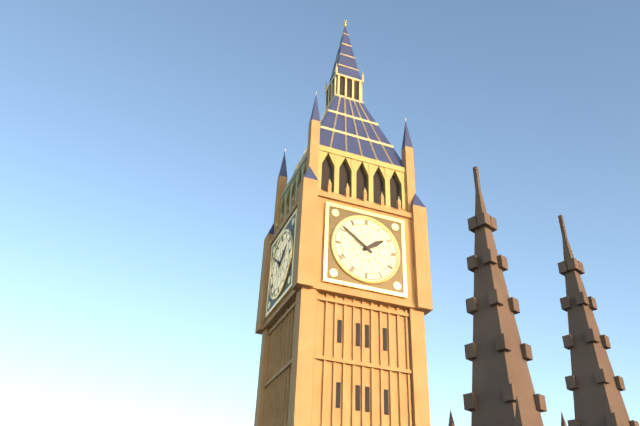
1h51
